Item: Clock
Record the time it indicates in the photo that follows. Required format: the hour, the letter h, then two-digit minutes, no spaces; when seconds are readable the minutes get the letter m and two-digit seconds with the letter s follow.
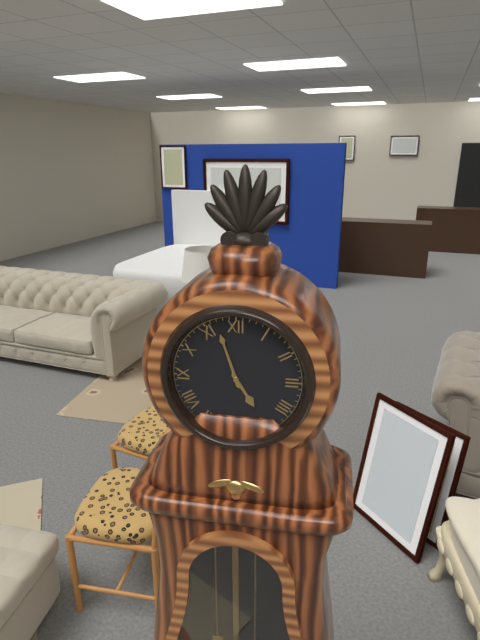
4h57
